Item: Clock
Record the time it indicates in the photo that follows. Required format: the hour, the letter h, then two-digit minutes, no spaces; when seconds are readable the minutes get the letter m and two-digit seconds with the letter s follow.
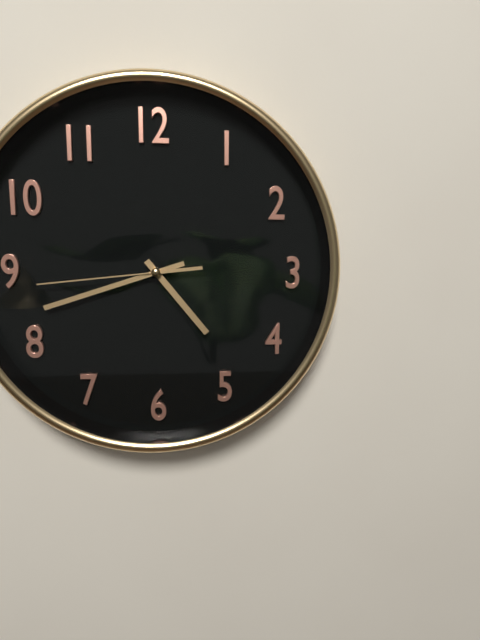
4h42m44s
